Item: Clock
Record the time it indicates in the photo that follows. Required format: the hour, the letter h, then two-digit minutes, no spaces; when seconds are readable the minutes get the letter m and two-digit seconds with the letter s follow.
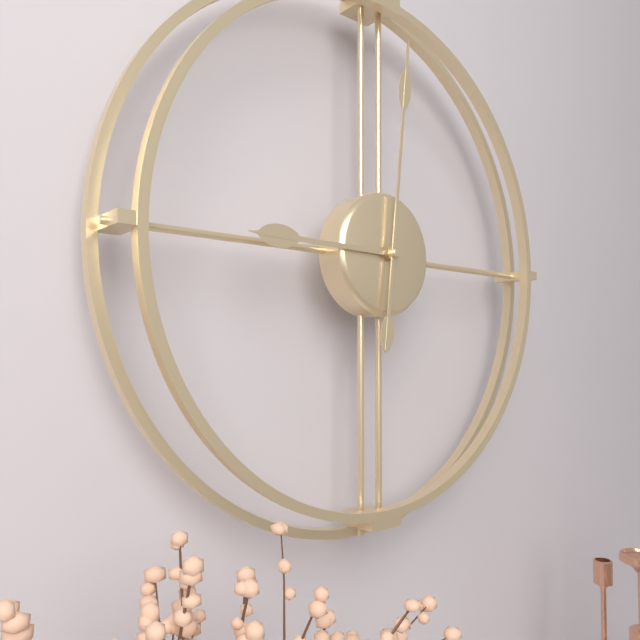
9h01
